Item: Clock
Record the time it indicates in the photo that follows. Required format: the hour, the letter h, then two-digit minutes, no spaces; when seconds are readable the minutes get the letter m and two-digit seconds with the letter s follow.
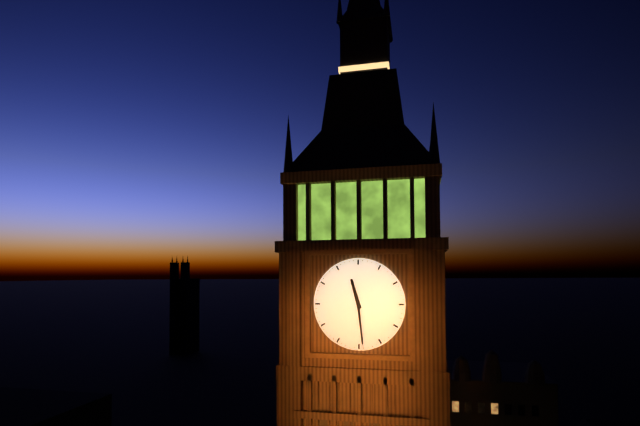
11h29
